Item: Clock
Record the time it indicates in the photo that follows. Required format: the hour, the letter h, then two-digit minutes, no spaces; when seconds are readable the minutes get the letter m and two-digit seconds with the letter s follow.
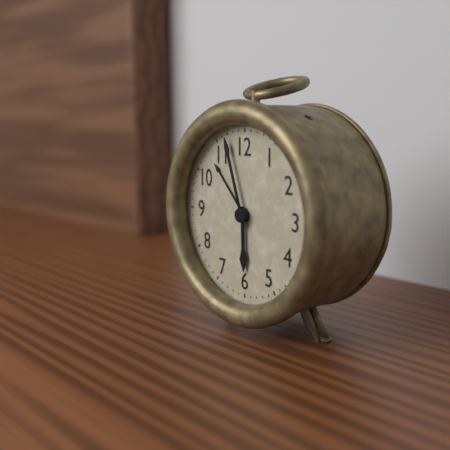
5h57
